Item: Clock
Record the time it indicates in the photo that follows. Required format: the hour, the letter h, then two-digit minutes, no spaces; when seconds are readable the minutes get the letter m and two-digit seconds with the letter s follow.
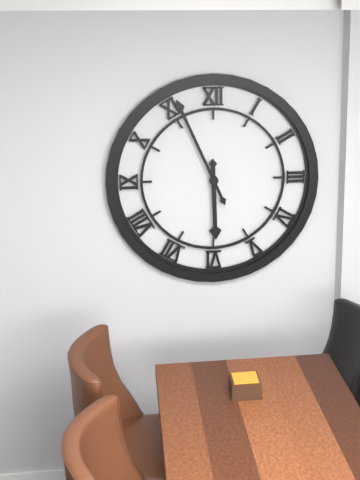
5h56
